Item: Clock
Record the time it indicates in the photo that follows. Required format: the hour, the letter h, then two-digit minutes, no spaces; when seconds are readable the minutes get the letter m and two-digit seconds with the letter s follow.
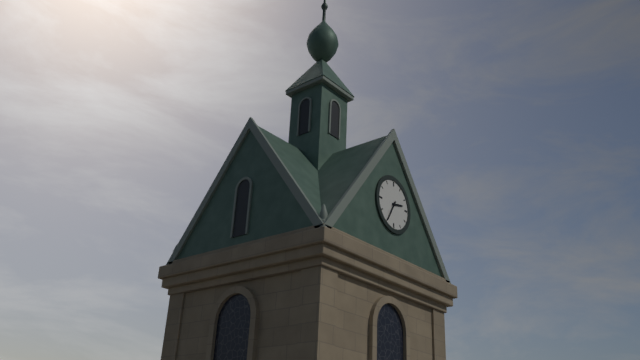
2h35
